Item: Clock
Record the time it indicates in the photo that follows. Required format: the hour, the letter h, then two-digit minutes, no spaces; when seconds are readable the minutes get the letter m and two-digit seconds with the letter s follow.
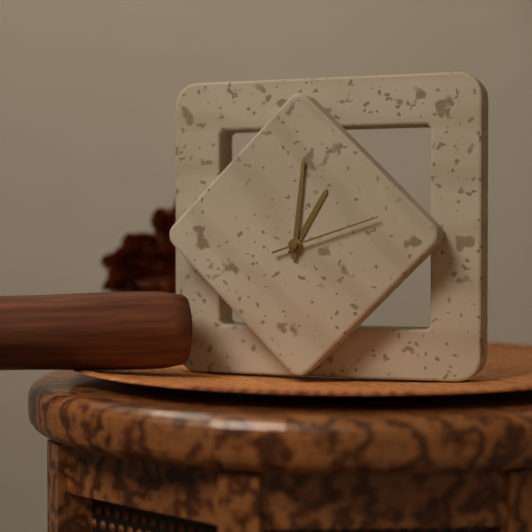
1h01m12s
